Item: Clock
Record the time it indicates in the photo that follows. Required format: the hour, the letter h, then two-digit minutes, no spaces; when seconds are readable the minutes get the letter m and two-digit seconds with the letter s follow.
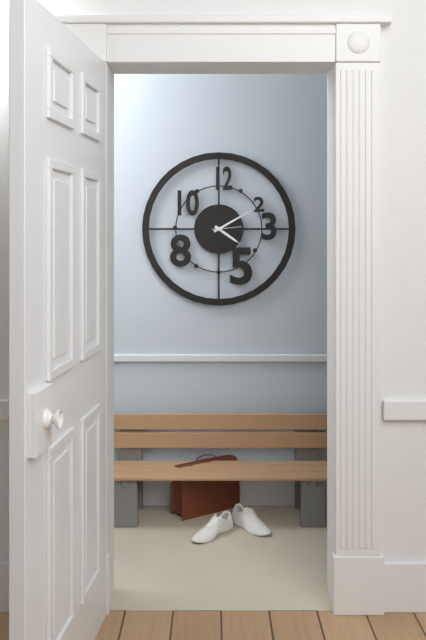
4h10
